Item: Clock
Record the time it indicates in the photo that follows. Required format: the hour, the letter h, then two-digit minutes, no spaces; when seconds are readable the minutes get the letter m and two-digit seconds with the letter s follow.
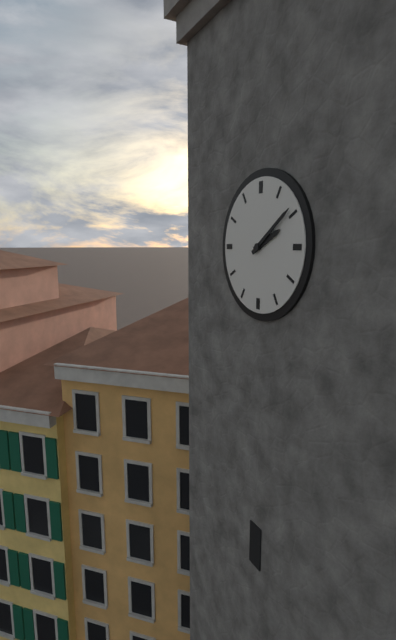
2h09
